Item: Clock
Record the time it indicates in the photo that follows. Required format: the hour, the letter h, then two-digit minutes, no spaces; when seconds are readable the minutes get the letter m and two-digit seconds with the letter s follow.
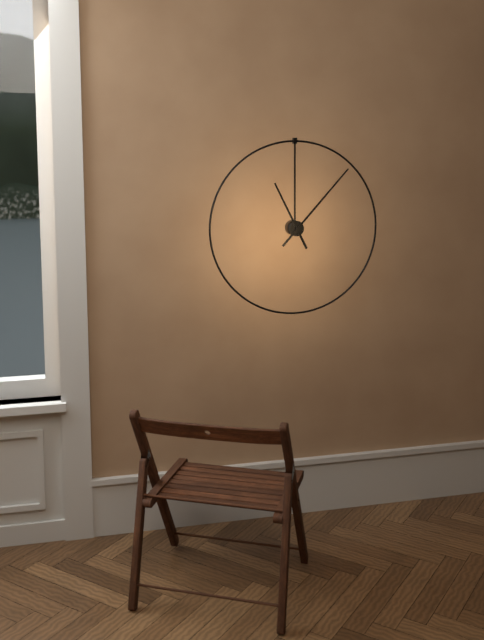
11h07
